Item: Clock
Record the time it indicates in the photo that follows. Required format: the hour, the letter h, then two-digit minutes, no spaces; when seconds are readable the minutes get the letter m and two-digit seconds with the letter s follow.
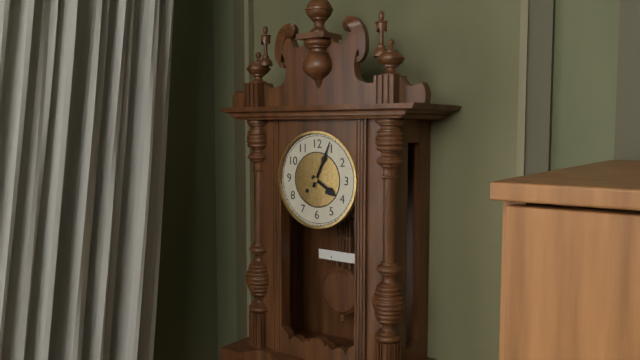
4h04
